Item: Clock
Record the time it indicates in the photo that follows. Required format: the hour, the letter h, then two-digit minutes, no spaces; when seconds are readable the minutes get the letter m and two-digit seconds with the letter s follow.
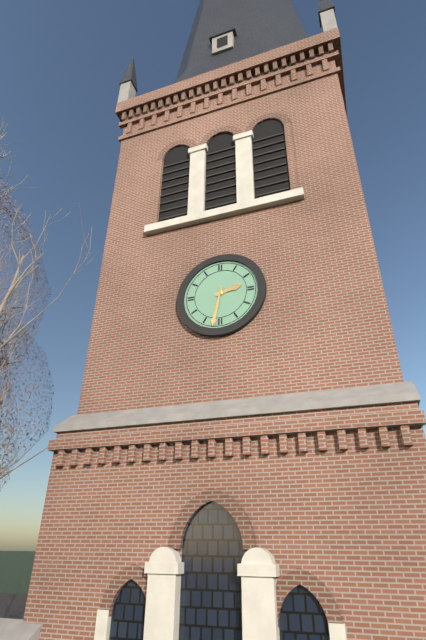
2h32
